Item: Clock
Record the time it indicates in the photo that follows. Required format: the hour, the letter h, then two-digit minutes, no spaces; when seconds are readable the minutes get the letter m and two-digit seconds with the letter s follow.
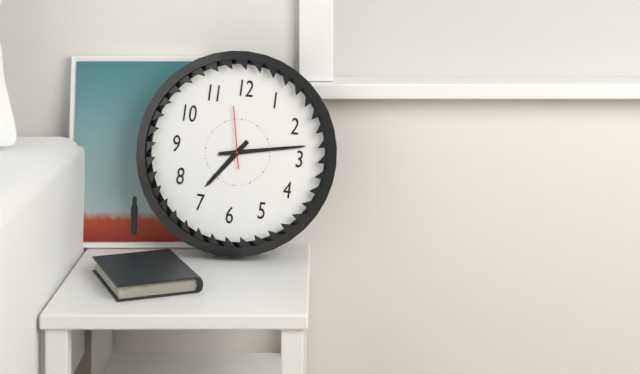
7h13m58s
